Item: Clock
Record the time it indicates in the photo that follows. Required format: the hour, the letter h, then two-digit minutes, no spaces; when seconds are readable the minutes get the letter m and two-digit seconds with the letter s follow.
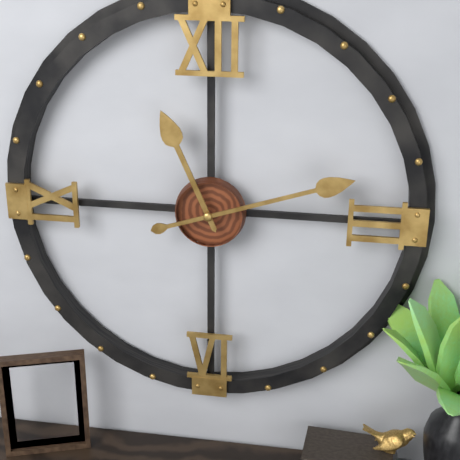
11h12
